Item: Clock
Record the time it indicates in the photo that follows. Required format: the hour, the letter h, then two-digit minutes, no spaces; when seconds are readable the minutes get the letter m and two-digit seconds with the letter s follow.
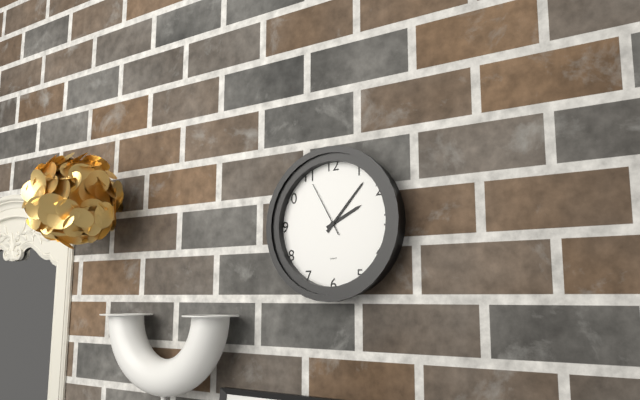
2h07m55s
